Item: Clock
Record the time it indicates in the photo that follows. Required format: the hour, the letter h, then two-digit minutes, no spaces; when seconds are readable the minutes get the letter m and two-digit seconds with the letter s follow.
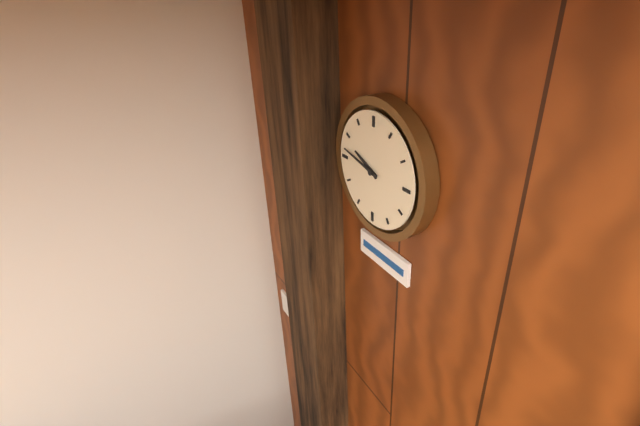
9h47
